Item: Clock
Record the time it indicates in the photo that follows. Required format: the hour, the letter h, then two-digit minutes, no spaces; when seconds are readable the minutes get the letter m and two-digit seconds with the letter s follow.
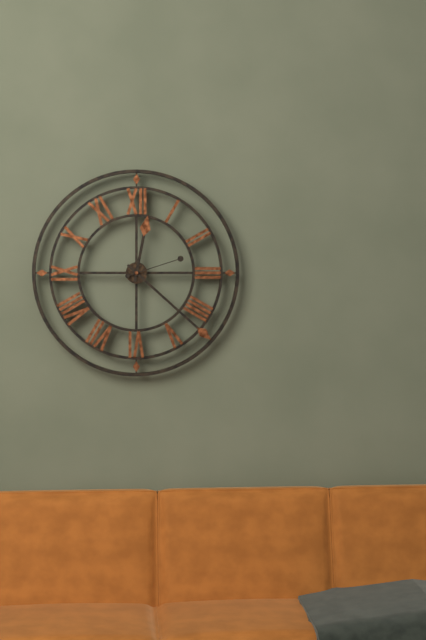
12h22m12s
